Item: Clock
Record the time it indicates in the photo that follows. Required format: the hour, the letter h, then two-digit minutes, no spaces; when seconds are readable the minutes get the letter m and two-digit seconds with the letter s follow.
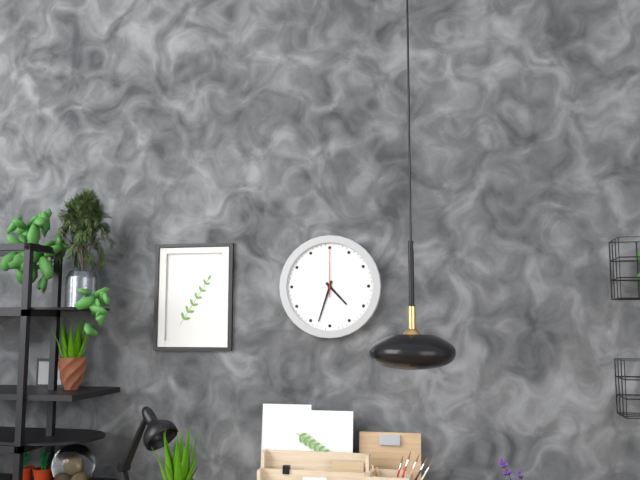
4h33
